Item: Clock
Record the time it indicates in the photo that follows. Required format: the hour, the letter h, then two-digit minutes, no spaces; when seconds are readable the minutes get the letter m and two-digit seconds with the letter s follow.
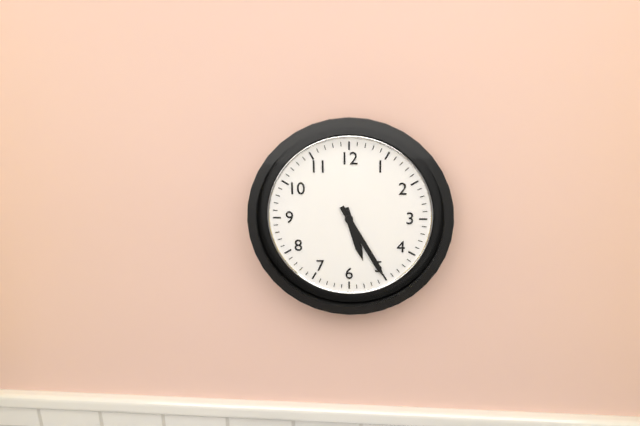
5h25
